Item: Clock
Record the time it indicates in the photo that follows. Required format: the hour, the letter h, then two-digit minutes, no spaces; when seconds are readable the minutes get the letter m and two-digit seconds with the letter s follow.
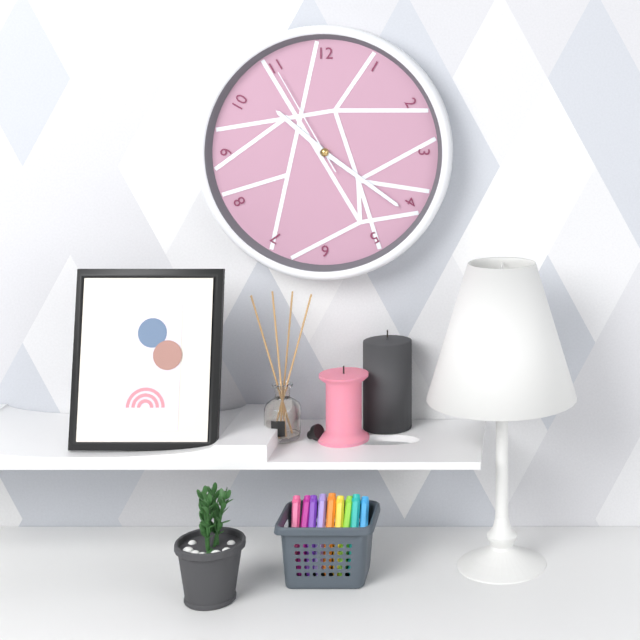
10h21m55s
